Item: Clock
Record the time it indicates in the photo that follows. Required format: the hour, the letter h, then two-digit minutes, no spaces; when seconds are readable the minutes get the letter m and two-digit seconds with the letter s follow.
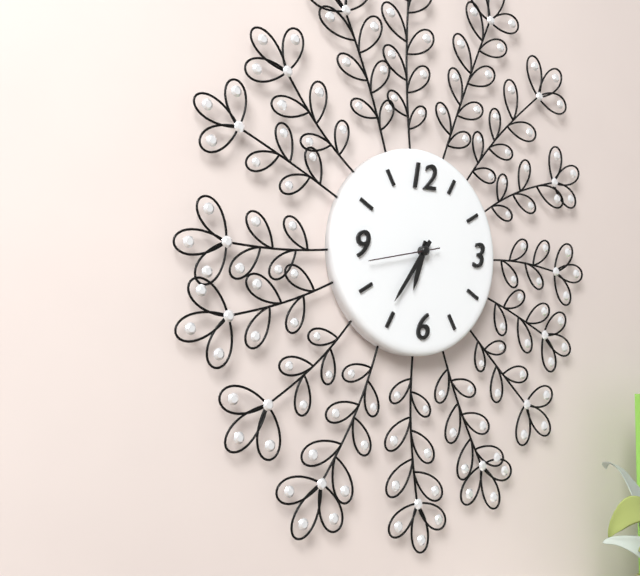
6h36m43s
